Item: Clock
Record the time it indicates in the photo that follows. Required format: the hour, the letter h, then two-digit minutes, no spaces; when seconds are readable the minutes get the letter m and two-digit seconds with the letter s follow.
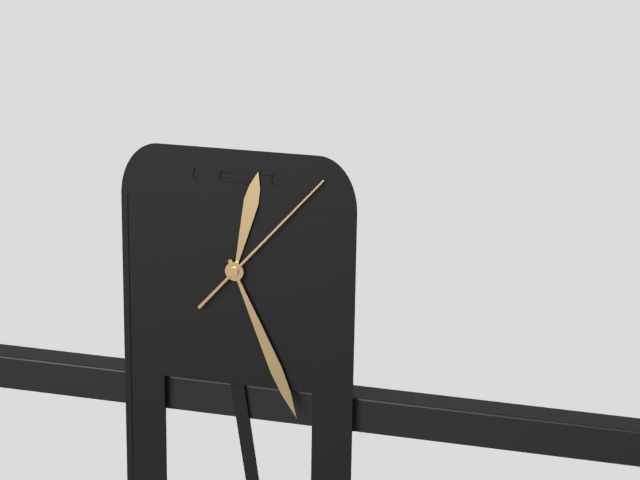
12h26m07s
